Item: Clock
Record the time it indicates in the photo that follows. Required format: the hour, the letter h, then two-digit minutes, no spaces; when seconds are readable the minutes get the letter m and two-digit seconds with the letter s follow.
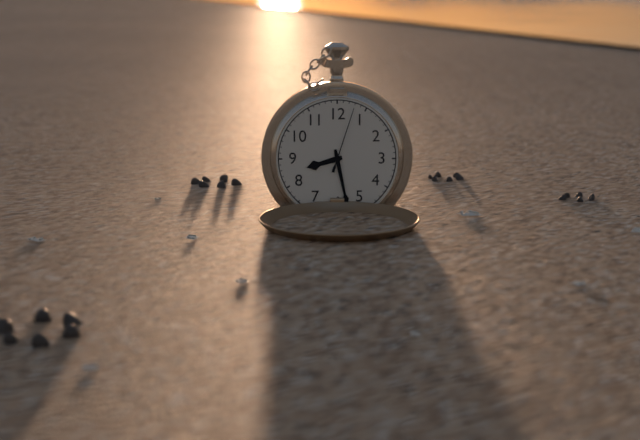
8h28m03s
